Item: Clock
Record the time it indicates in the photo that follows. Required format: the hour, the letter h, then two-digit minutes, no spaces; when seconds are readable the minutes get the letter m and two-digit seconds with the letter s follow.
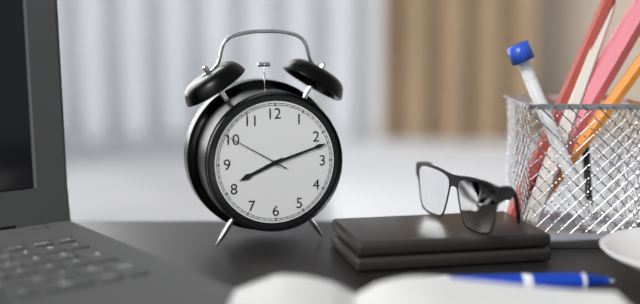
8h12m50s
